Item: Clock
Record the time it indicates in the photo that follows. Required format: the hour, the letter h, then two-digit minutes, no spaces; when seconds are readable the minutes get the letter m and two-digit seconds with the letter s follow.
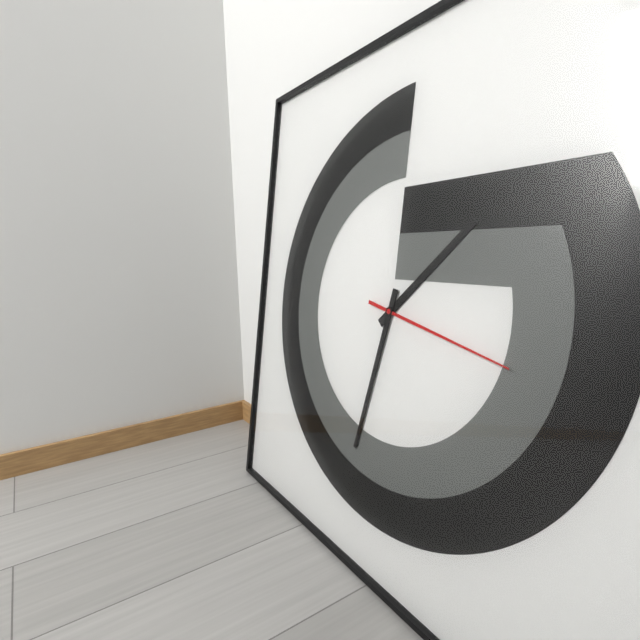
1h32m17s
